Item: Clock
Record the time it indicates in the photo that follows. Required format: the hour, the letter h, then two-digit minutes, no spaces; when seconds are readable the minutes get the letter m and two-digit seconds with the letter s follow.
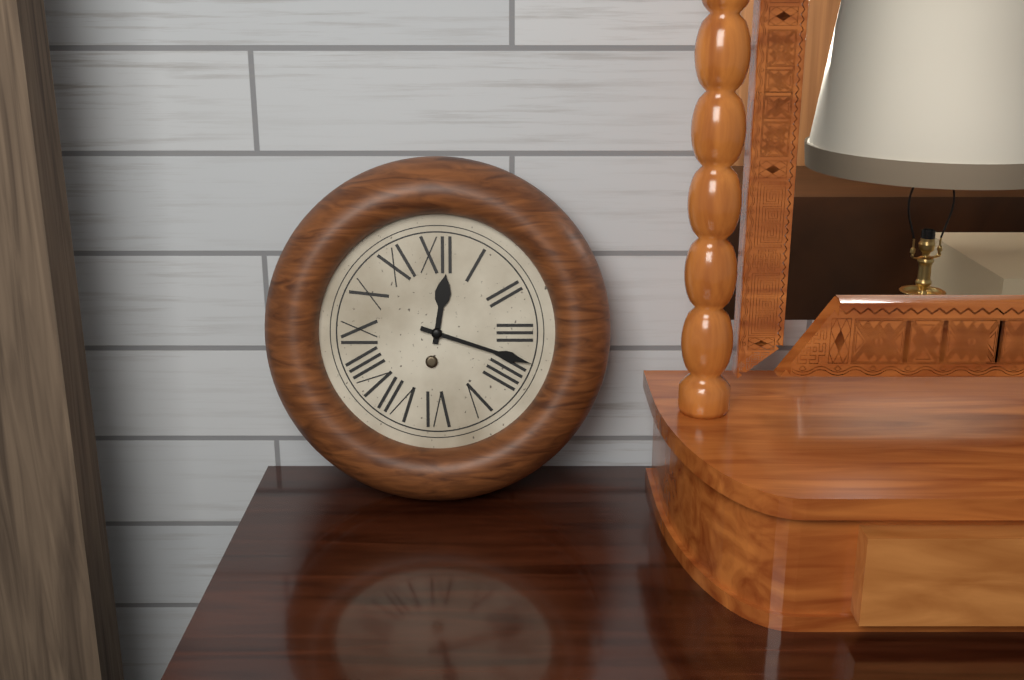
12h18
